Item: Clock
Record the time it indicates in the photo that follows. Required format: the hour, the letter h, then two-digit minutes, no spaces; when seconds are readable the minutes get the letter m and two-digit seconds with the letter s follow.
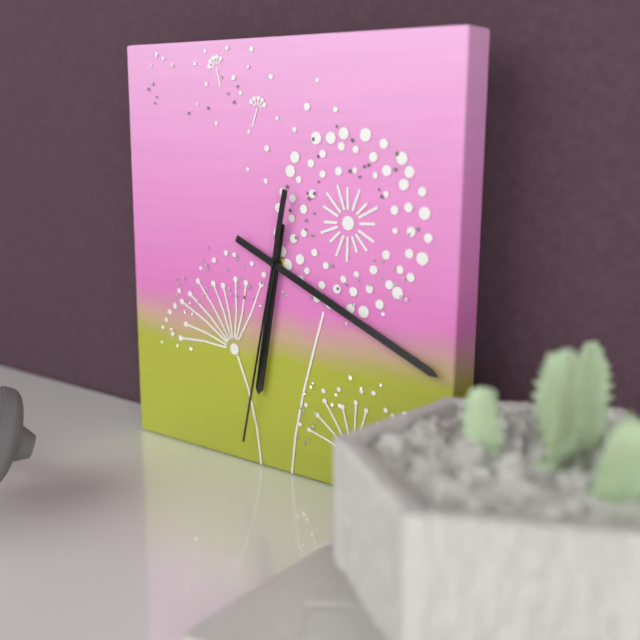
6h19m32s
